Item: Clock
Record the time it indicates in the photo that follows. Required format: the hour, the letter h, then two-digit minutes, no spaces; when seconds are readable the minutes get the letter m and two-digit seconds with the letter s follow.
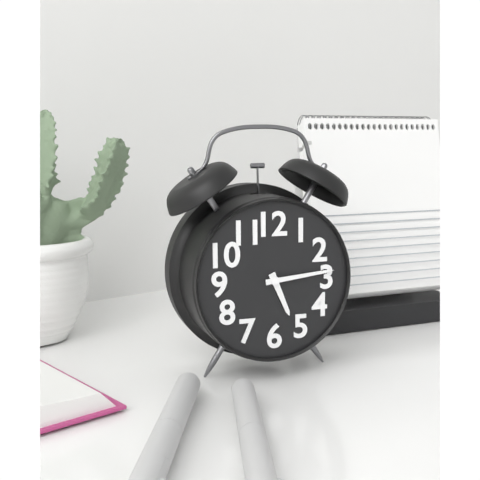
5h14
